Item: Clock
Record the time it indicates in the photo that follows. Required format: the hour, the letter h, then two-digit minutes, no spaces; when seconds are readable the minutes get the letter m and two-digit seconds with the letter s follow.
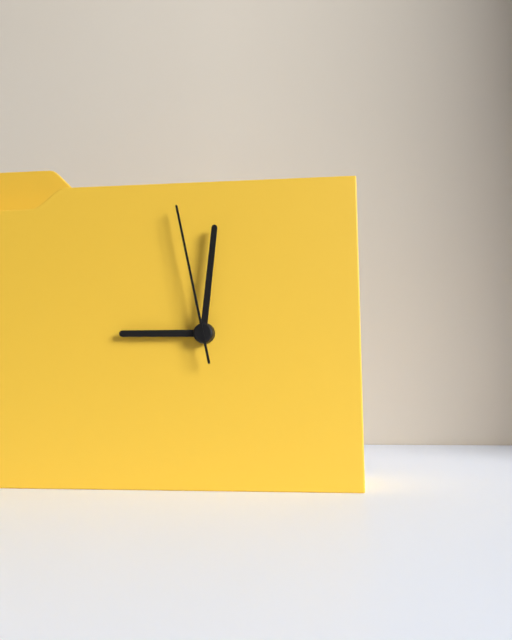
9h01m58s
